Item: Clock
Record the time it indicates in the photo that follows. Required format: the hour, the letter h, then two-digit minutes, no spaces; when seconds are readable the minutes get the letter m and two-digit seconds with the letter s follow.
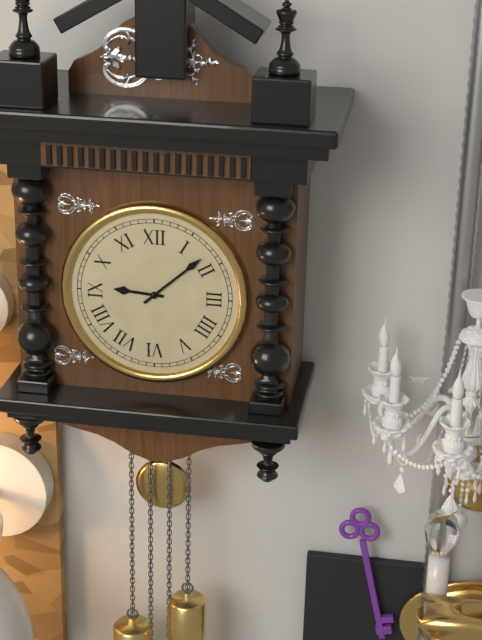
9h08
